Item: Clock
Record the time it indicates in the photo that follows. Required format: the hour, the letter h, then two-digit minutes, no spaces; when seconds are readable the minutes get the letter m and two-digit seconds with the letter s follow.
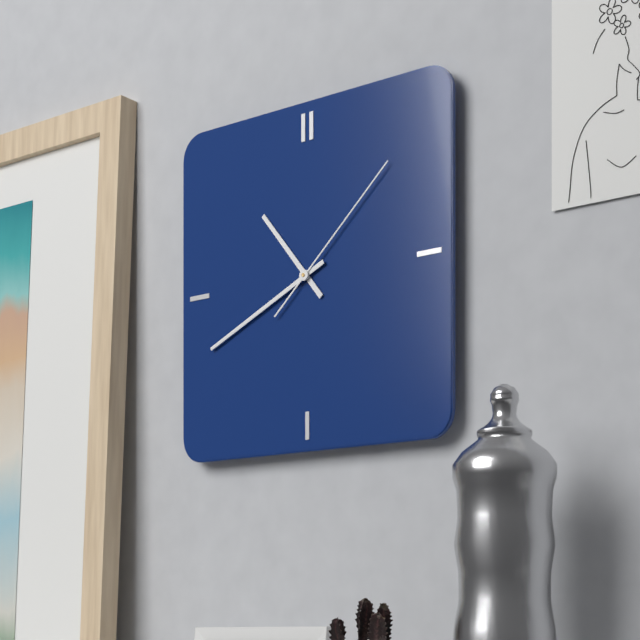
10h41m08s
